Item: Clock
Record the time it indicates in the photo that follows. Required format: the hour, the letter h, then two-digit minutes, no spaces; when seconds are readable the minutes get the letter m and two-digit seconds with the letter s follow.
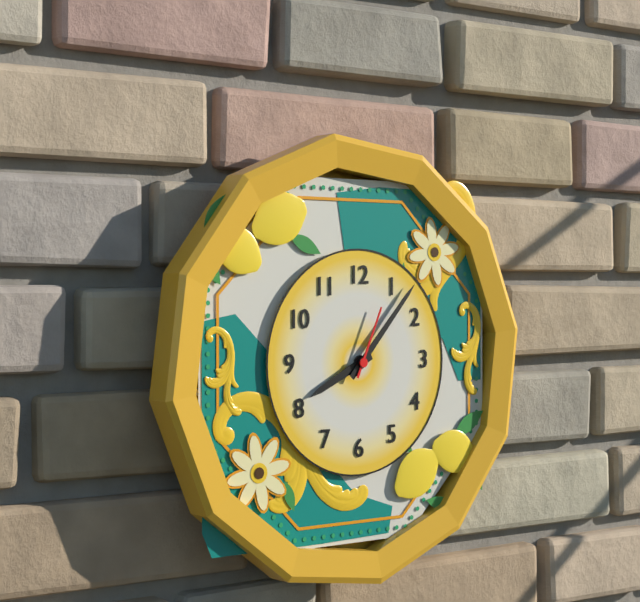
8h07m04s
